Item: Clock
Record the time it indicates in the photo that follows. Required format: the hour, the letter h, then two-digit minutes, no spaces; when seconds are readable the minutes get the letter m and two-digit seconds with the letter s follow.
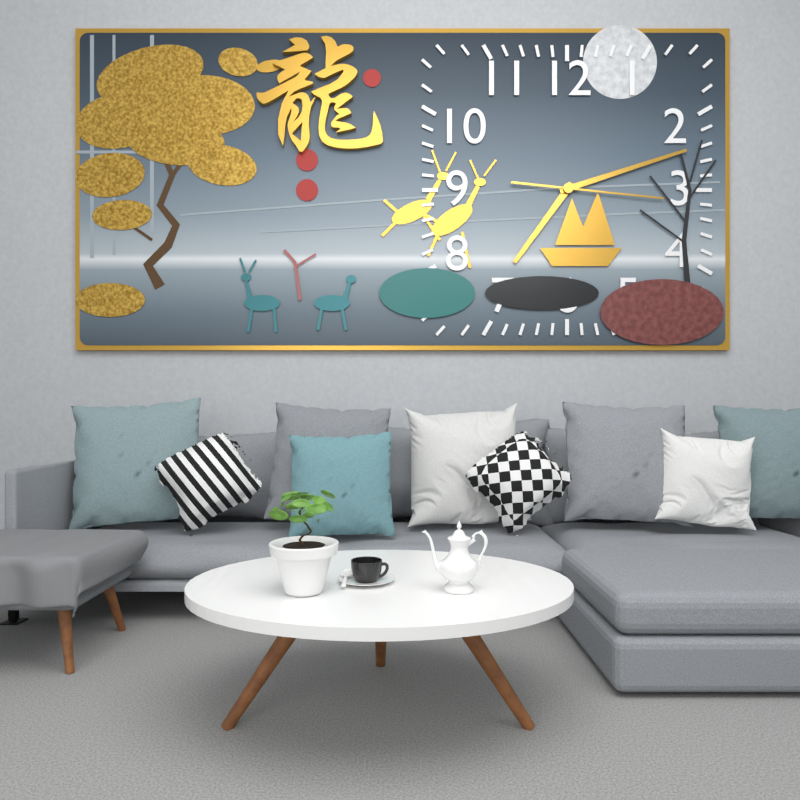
7h12m16s
